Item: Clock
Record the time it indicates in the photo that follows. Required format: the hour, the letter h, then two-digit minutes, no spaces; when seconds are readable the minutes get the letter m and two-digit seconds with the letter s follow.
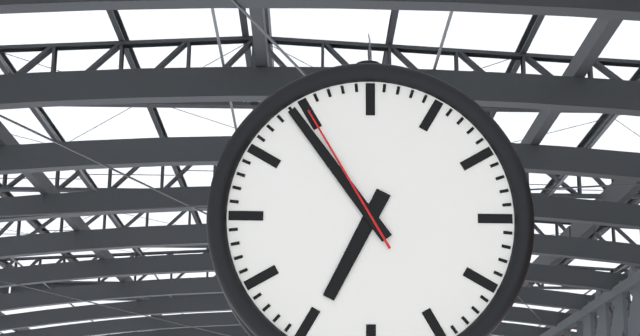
6h54m55s
